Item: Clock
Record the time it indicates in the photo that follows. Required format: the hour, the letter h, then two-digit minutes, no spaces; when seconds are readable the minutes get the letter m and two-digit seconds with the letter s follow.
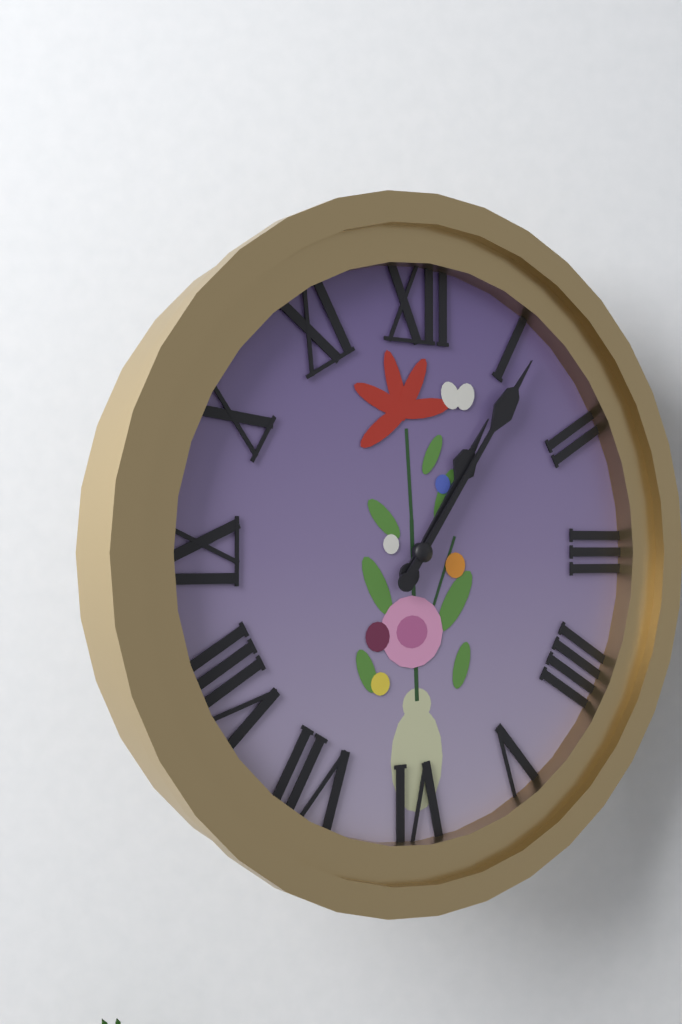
1h06
